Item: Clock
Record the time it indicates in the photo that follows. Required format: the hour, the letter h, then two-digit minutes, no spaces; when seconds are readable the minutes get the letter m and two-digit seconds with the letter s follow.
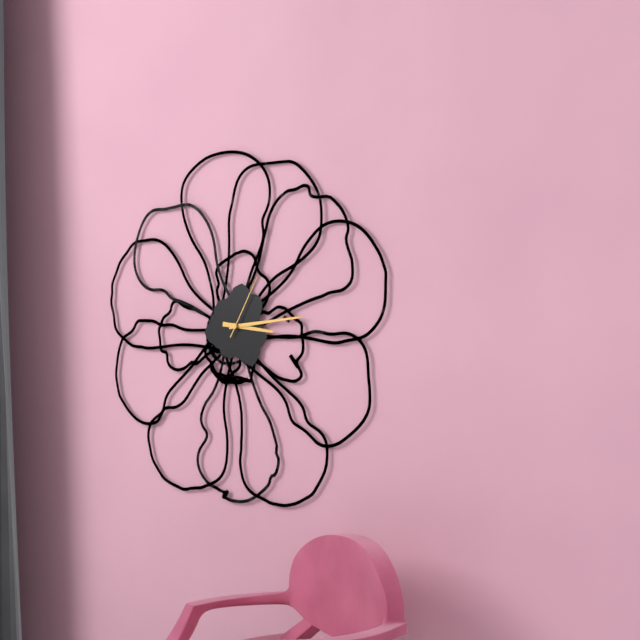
3h14m05s
